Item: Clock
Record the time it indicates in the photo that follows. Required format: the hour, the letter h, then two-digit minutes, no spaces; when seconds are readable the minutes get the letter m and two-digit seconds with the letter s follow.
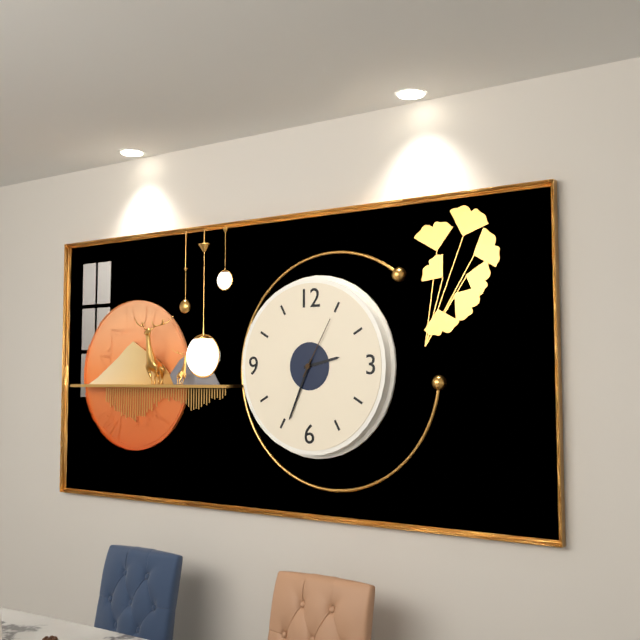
2h34m05s
